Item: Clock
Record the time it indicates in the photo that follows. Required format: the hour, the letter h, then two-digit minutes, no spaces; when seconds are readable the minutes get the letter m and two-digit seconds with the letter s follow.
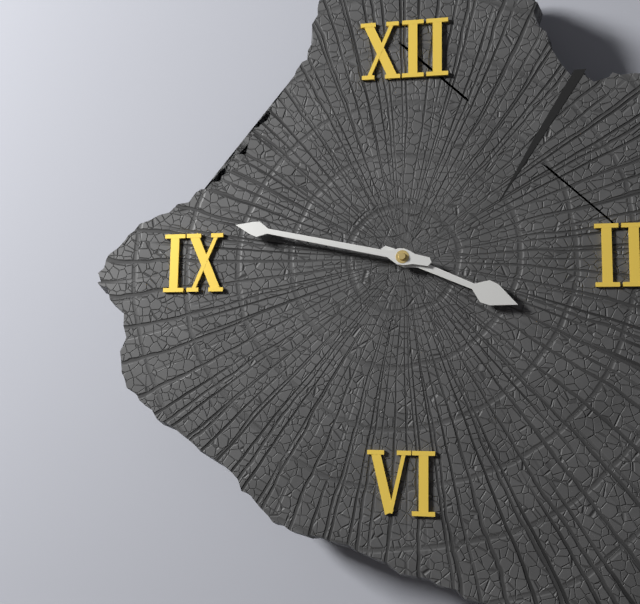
3h47
